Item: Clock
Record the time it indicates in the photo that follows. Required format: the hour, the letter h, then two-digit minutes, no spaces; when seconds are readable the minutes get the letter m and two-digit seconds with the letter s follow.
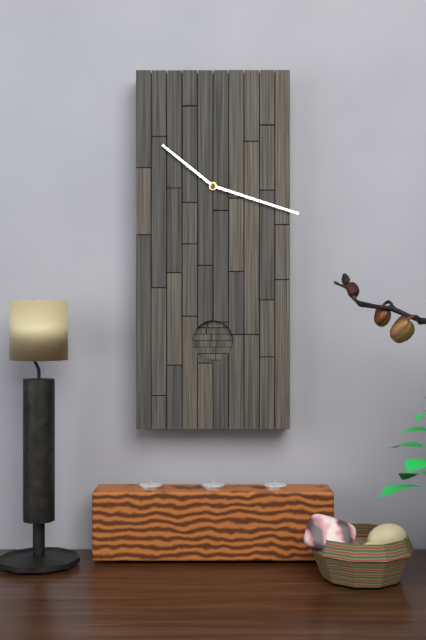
10h18
